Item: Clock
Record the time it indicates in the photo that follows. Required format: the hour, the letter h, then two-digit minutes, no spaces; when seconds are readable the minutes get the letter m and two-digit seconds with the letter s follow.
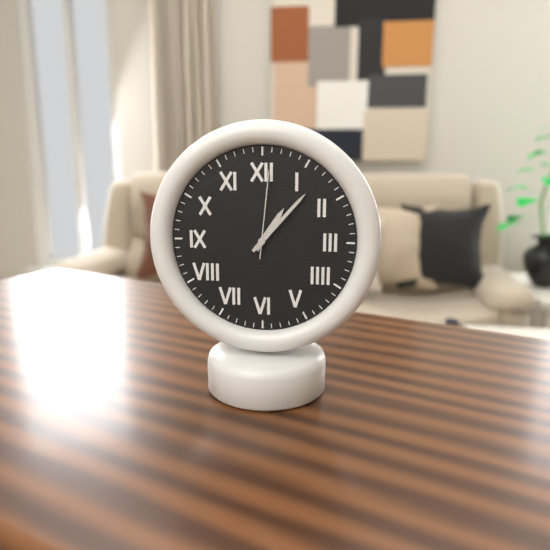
1h07m01s
